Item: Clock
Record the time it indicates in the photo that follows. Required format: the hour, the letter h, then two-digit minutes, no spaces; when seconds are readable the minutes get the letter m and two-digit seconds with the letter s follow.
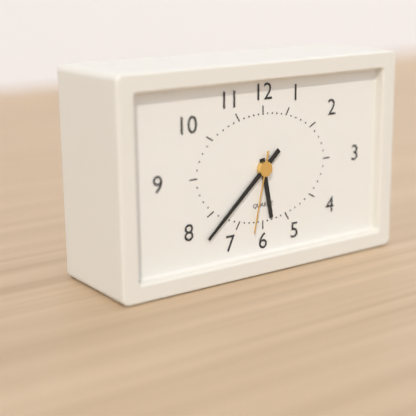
5h38m32s
